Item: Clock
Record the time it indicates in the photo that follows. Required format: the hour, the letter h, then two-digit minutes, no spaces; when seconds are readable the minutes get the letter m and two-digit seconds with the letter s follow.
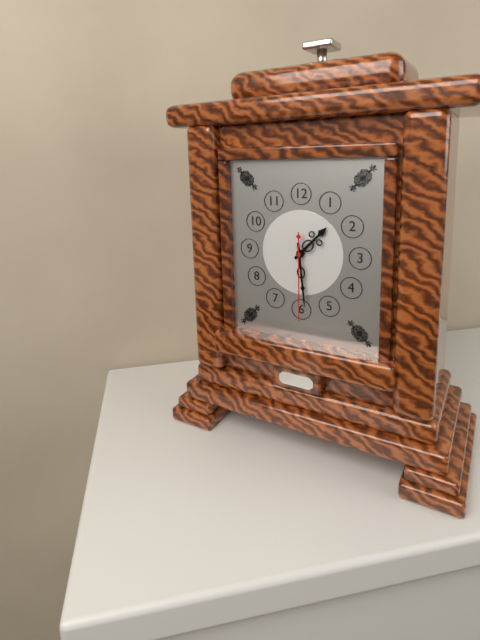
1h29m30s
